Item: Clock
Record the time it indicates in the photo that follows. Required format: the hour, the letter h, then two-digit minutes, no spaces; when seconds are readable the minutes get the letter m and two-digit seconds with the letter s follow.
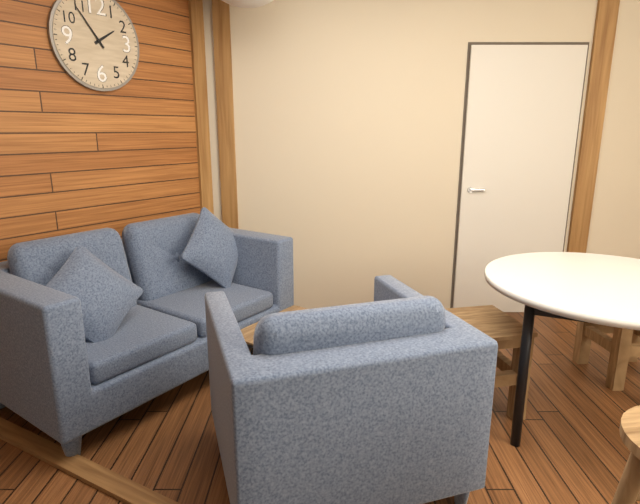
1h54
